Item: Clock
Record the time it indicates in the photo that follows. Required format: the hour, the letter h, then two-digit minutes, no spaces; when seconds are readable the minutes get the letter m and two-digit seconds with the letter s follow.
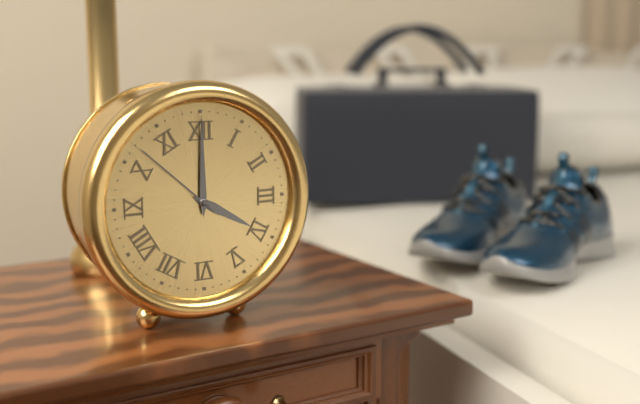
4h00m52s
